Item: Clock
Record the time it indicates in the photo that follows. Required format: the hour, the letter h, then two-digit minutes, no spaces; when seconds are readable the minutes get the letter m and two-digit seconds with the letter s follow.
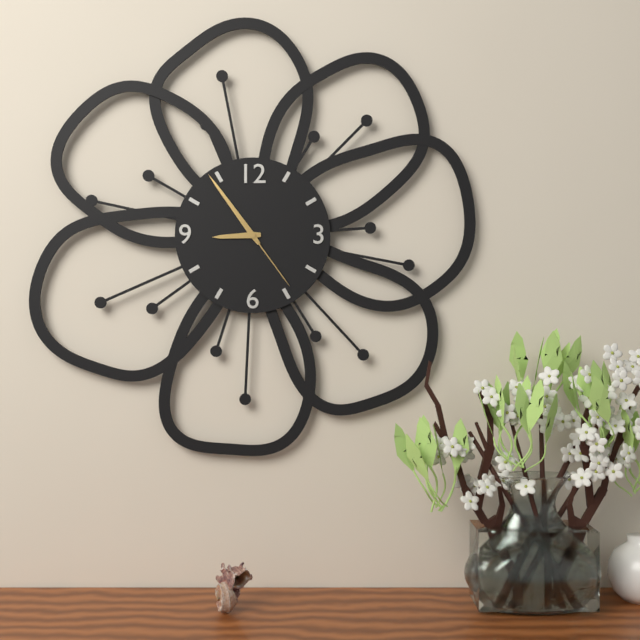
8h54m24s
